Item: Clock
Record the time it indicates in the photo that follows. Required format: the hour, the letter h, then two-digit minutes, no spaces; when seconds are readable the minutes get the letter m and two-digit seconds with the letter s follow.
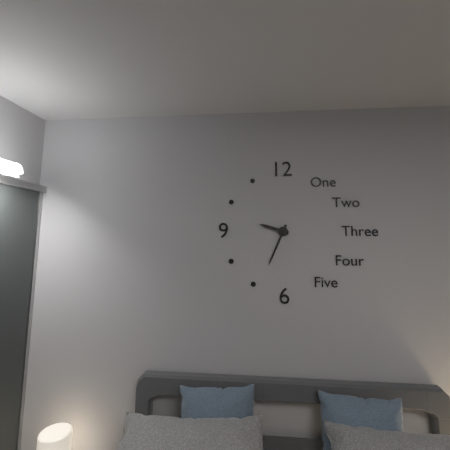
9h34
